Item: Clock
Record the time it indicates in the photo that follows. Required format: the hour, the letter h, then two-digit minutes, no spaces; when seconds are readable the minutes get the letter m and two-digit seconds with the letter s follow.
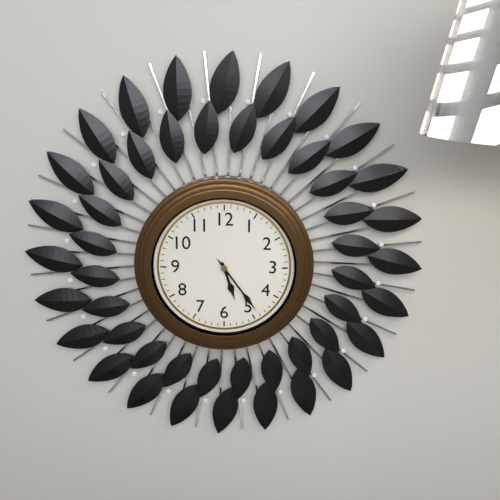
5h24
